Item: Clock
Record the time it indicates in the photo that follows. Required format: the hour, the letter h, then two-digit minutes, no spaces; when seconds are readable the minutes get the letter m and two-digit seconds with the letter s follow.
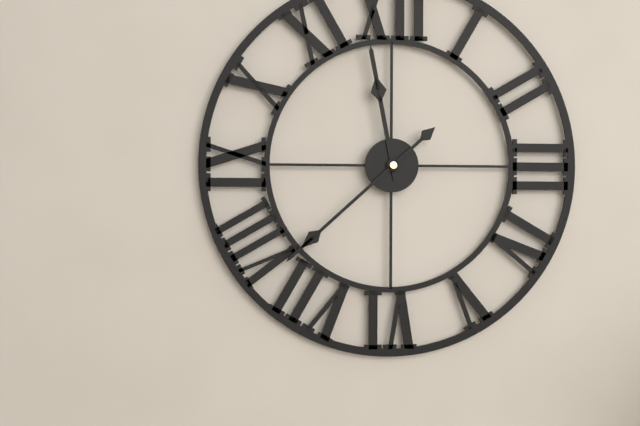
11h38
